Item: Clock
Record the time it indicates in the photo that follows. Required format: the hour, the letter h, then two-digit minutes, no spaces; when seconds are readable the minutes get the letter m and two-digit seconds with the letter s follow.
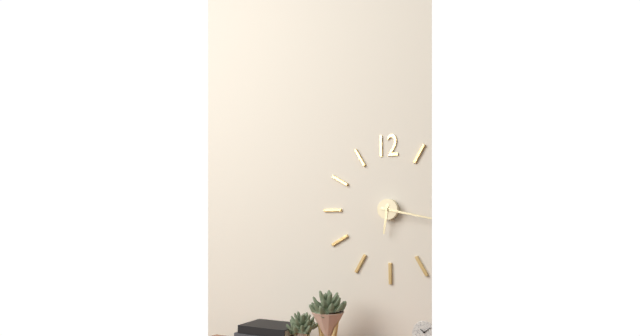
6h17
